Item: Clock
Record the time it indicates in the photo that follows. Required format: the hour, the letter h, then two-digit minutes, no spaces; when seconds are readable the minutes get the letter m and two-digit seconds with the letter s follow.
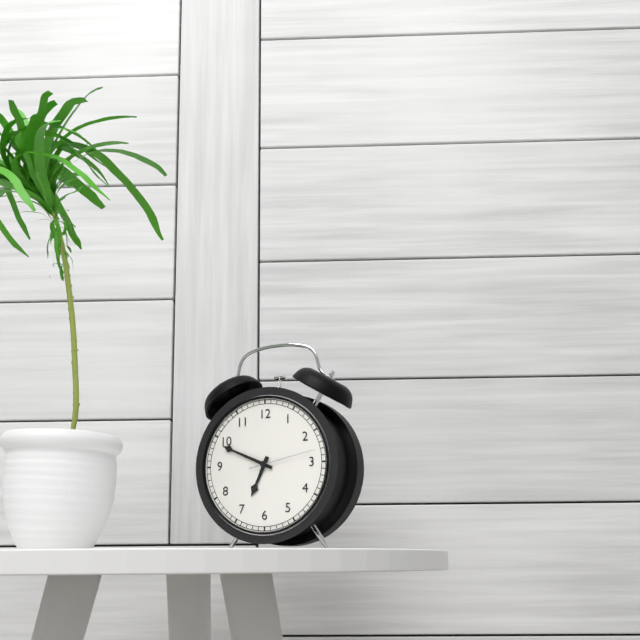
6h49m13s
